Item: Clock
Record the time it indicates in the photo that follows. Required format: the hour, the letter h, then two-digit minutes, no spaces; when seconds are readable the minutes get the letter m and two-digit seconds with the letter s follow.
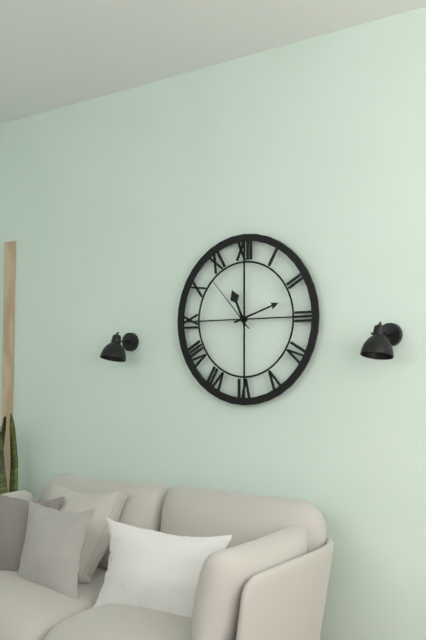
11h12m53s
